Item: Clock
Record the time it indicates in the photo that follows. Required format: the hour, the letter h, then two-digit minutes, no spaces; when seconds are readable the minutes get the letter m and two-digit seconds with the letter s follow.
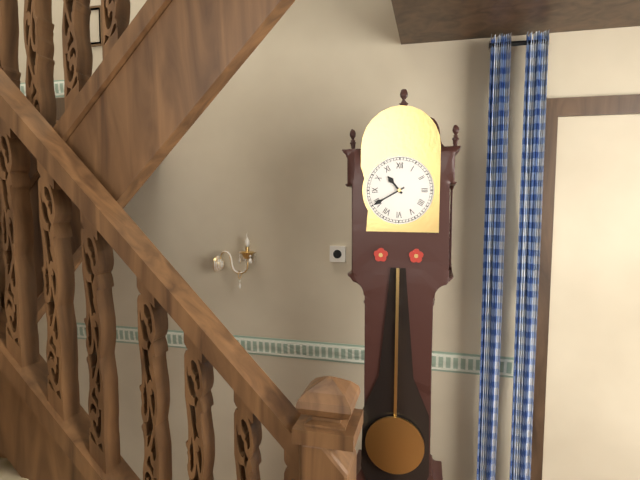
10h40
